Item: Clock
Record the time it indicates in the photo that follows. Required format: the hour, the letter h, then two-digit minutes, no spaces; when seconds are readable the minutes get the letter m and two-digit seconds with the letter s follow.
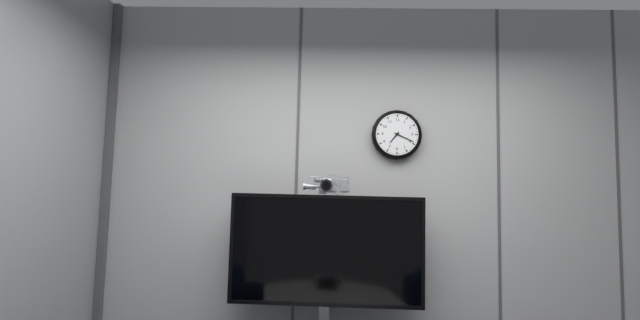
7h19
